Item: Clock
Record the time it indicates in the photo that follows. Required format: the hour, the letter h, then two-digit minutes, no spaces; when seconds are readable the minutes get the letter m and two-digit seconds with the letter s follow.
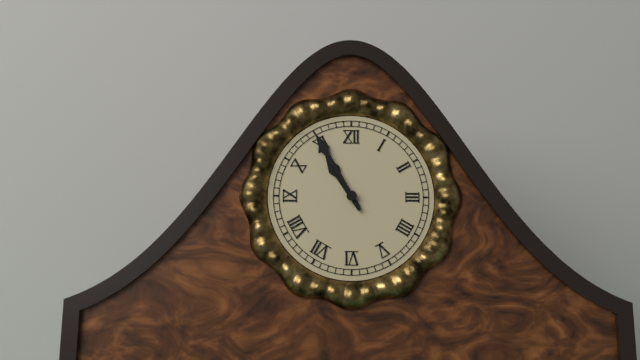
10h55
